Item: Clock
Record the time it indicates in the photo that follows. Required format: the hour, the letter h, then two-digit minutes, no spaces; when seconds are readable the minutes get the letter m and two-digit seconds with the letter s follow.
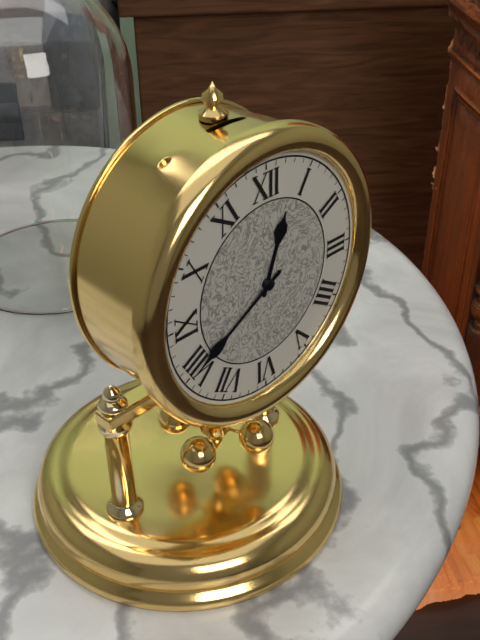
12h40
